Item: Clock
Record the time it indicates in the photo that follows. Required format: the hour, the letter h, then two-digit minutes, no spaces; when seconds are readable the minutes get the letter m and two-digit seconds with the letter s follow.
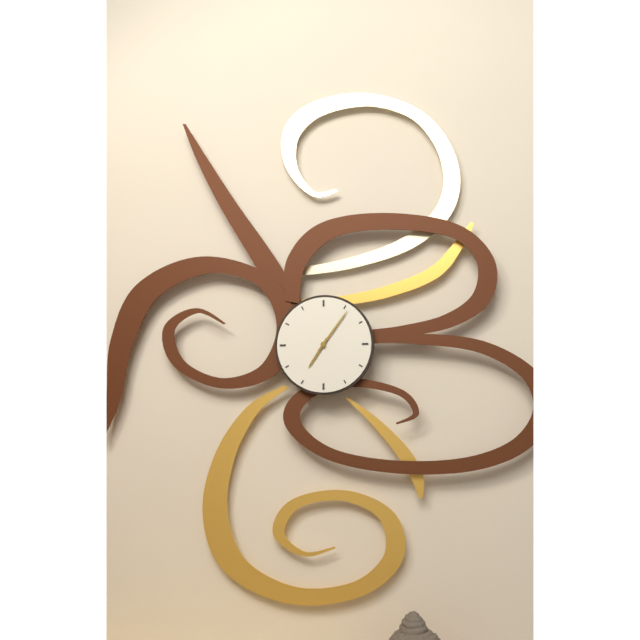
7h06
